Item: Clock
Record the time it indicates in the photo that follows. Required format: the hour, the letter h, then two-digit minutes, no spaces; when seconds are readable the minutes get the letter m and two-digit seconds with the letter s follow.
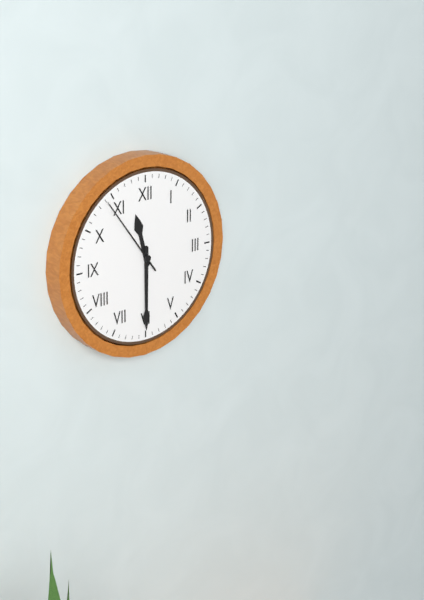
11h30m54s
